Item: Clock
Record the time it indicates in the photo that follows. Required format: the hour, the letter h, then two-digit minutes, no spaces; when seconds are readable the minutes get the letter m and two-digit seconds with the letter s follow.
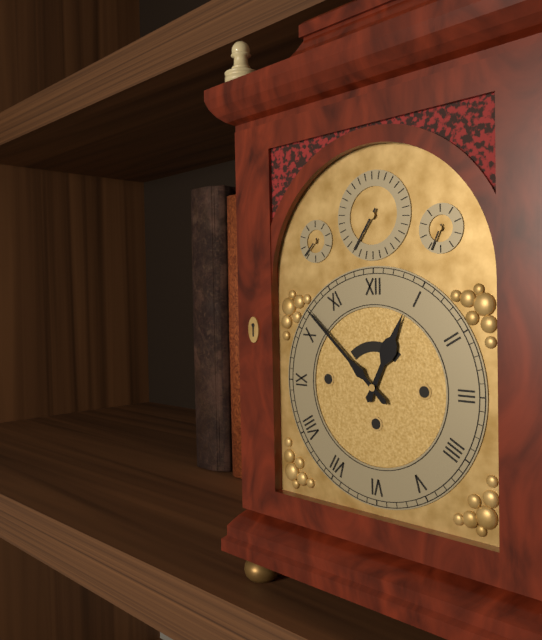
12h52
